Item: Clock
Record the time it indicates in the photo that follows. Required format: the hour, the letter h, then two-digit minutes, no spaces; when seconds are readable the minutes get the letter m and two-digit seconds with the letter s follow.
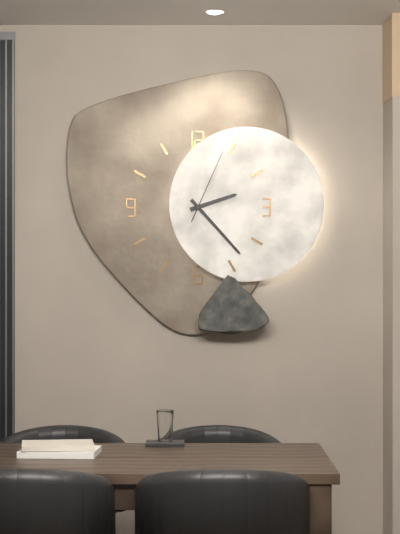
2h23m04s
